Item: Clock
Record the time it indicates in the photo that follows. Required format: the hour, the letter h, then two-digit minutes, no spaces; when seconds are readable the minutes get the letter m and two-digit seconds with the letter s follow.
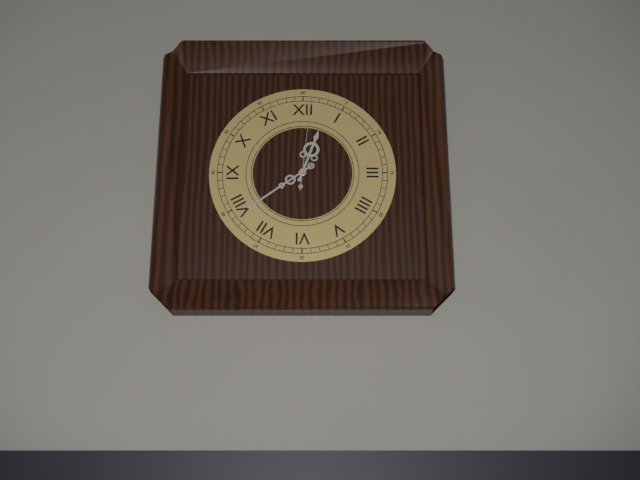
12h39m01s
